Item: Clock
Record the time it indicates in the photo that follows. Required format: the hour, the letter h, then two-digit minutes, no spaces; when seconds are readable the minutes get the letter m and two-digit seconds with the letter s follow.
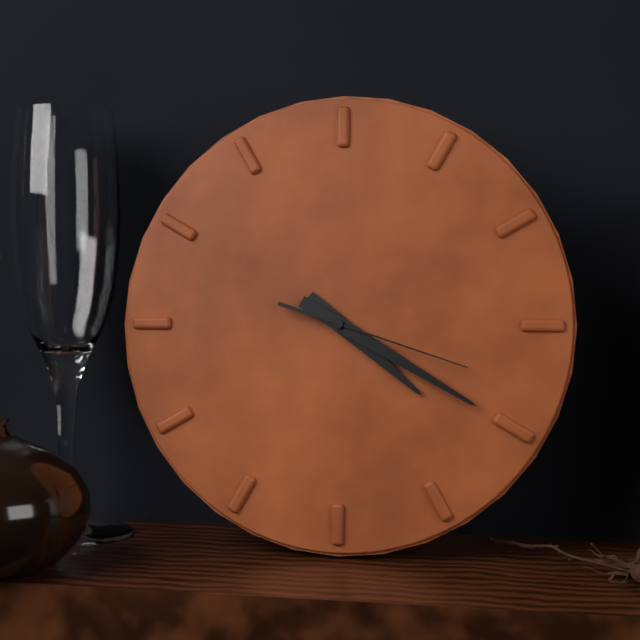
4h20m18s
